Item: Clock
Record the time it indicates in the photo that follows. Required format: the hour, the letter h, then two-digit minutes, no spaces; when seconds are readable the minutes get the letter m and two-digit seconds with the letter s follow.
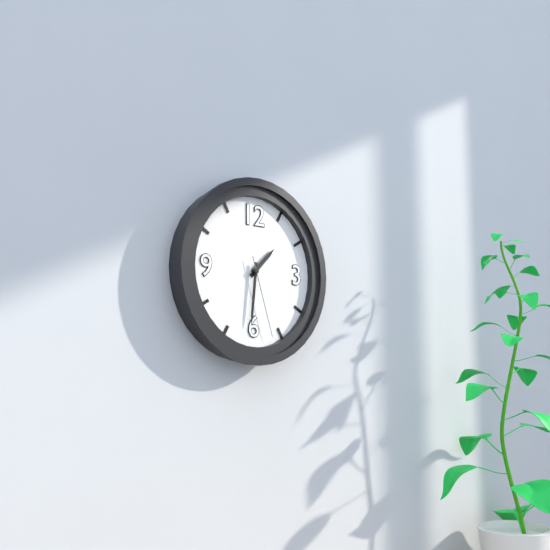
1h31m27s
